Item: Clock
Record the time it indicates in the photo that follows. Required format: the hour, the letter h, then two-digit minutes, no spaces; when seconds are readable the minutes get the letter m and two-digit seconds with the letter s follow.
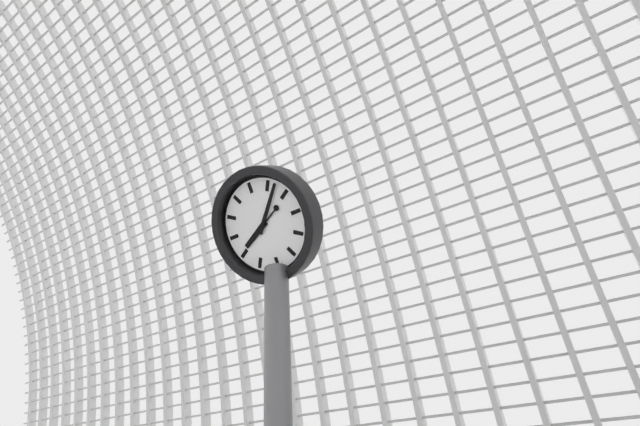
8h07
